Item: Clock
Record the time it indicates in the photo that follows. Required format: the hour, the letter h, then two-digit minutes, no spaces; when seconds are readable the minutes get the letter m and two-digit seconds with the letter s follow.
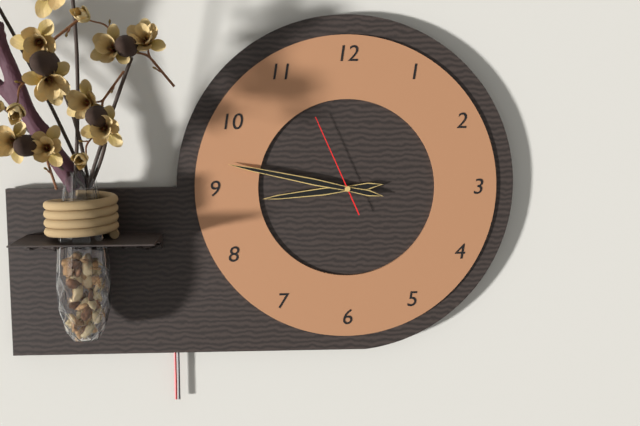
8h47m56s
